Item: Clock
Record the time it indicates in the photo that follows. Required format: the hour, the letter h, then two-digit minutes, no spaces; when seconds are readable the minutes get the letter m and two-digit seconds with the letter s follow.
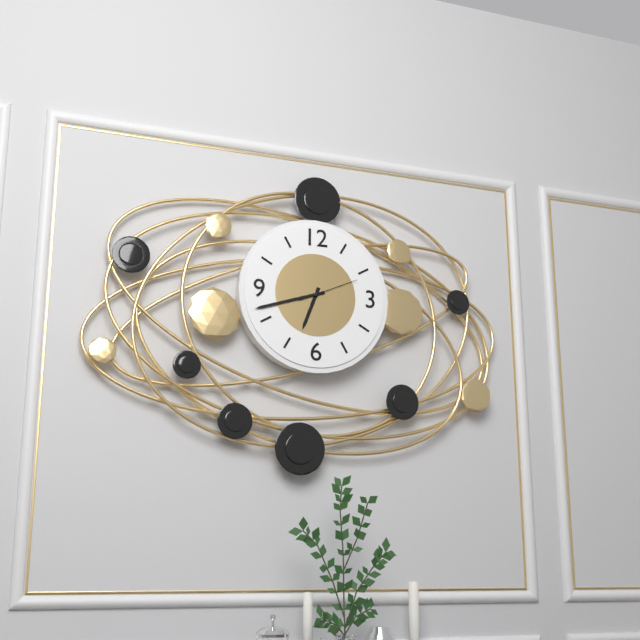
6h42m11s
